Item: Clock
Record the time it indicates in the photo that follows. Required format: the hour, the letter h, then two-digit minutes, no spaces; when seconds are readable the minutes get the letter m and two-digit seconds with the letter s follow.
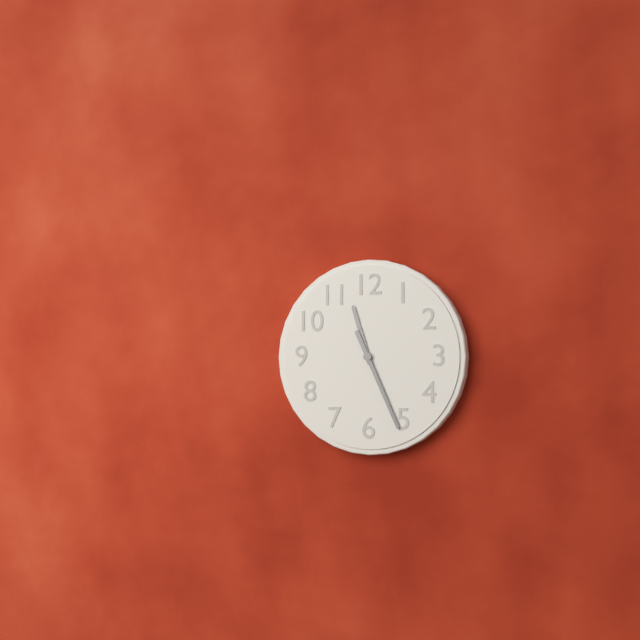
11h26
